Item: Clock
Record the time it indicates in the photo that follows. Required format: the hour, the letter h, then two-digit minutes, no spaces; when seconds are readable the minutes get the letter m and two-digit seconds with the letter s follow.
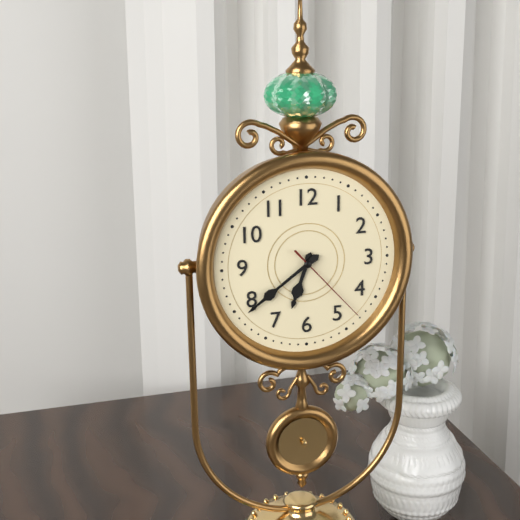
6h39m23s
